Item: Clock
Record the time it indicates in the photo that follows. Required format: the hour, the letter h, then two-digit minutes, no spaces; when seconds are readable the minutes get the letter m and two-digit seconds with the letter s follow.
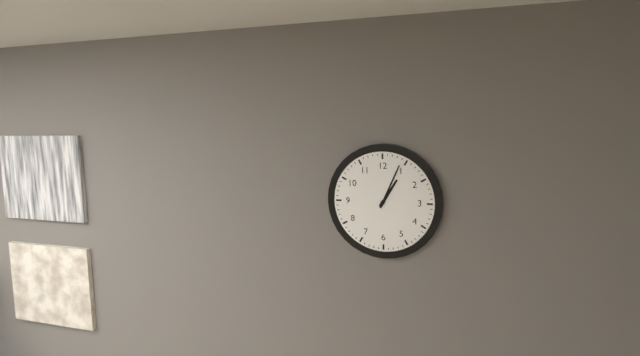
1h04
